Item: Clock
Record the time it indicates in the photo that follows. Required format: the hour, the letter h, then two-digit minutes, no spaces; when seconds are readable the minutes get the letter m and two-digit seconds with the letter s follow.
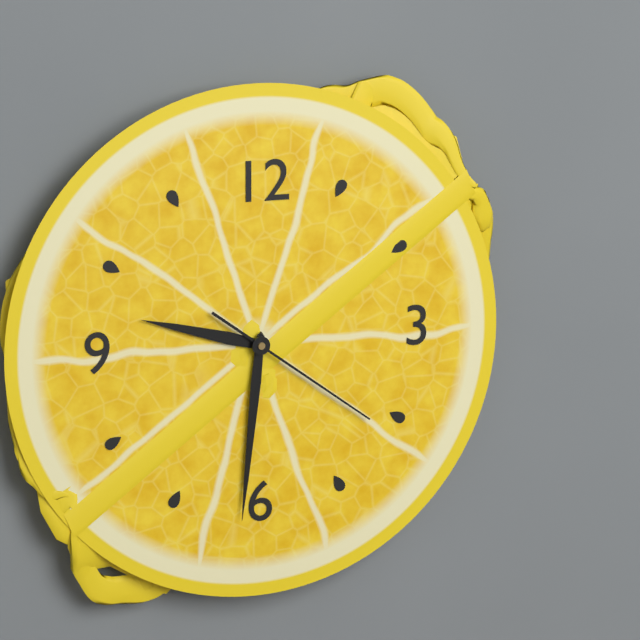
9h31m21s
